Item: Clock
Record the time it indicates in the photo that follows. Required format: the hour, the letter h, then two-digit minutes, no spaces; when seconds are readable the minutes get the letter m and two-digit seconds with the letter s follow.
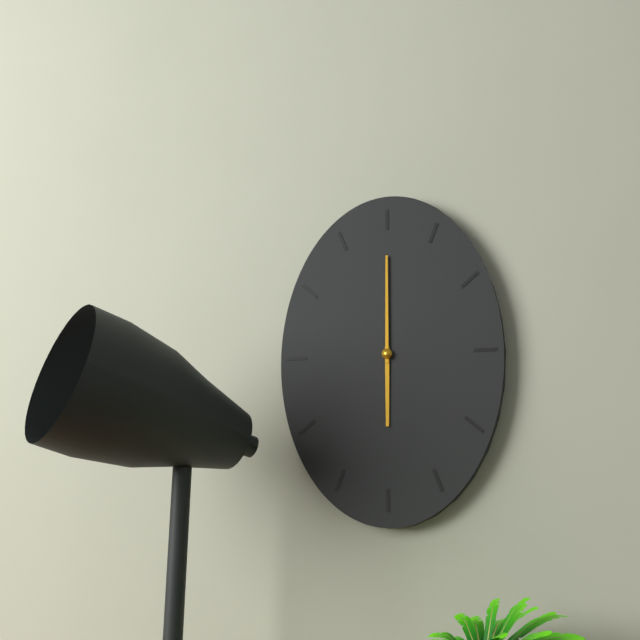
6h00
